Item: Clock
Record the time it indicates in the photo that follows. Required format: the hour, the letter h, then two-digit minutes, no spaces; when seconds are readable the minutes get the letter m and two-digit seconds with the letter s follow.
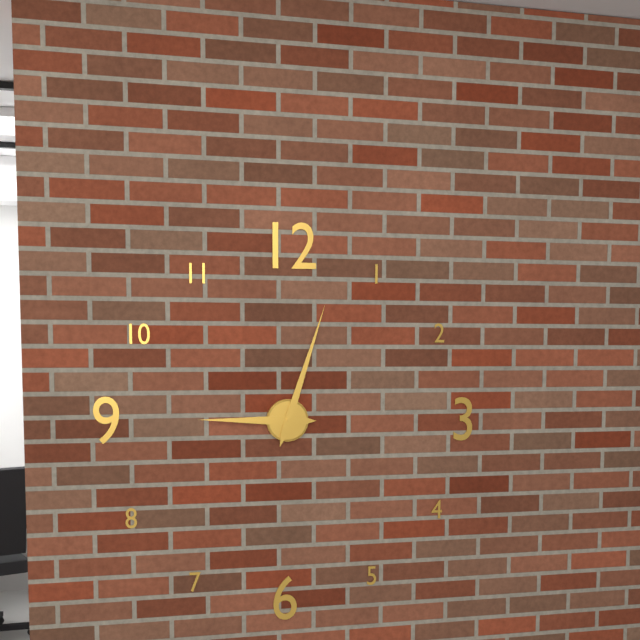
9h03
